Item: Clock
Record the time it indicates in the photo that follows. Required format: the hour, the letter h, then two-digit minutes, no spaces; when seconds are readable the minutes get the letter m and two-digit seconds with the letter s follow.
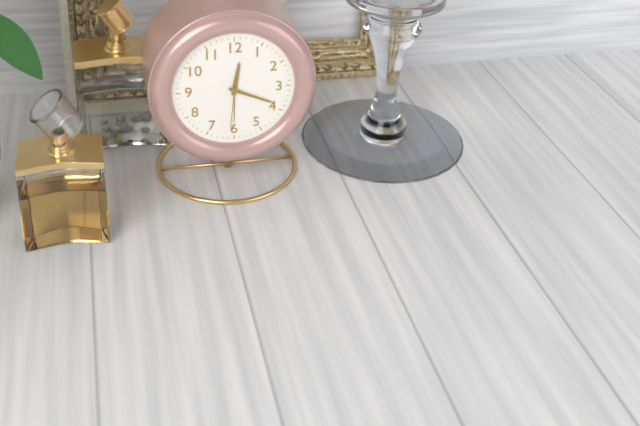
12h19m31s
